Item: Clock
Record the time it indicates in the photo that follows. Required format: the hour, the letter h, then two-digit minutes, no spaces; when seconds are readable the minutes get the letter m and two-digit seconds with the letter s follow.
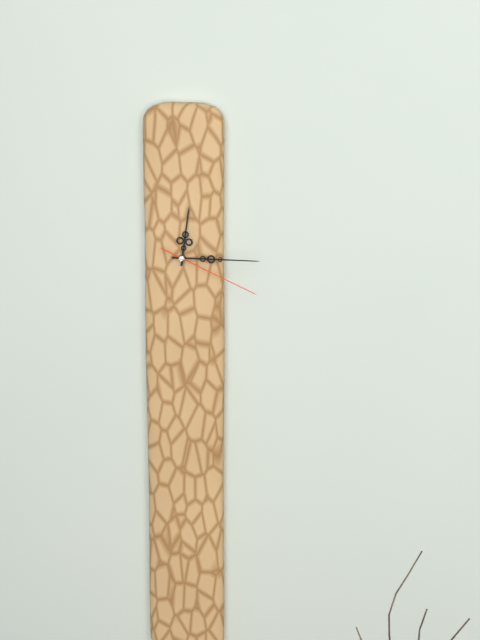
12h15m19s
